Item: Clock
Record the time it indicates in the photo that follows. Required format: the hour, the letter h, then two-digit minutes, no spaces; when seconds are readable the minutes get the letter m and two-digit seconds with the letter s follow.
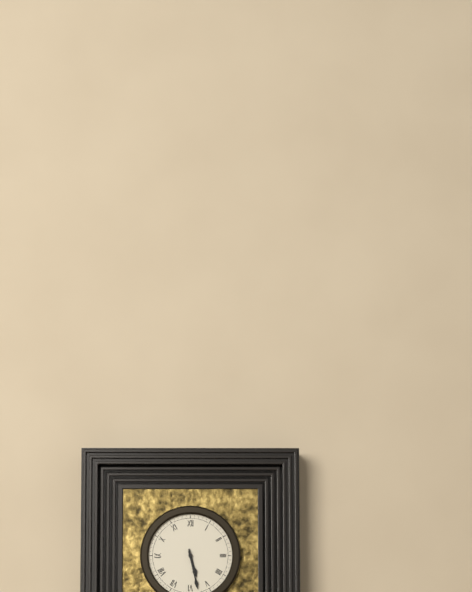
5h28
